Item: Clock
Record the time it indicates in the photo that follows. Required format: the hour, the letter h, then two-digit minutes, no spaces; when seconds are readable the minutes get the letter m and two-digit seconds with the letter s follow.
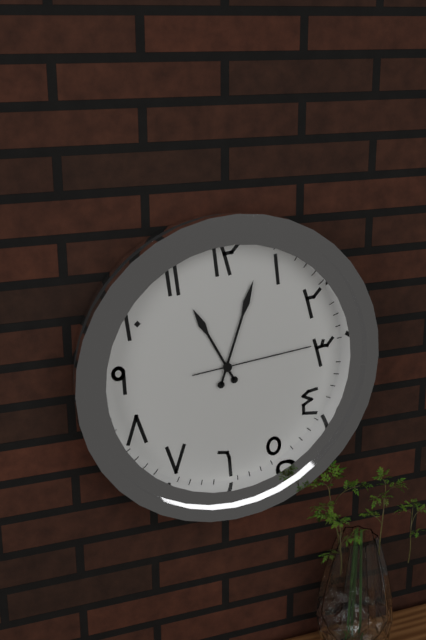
11h03m14s
